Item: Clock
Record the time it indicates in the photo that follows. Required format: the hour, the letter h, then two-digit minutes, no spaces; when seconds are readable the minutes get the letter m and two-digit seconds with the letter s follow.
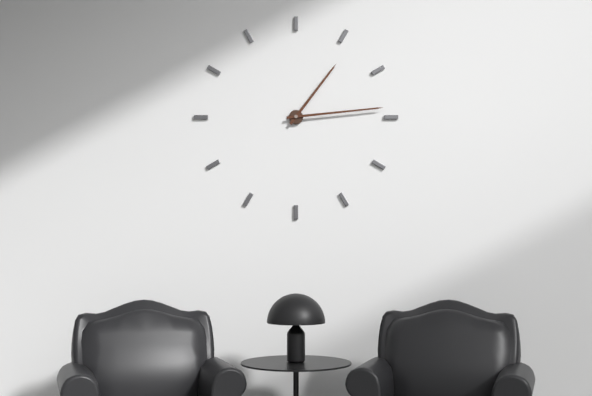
1h14
